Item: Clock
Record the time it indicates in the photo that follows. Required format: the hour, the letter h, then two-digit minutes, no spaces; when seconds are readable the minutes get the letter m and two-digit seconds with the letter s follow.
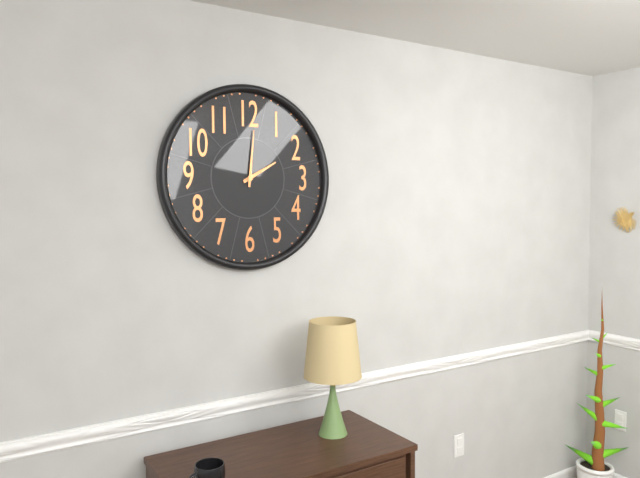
2h01
